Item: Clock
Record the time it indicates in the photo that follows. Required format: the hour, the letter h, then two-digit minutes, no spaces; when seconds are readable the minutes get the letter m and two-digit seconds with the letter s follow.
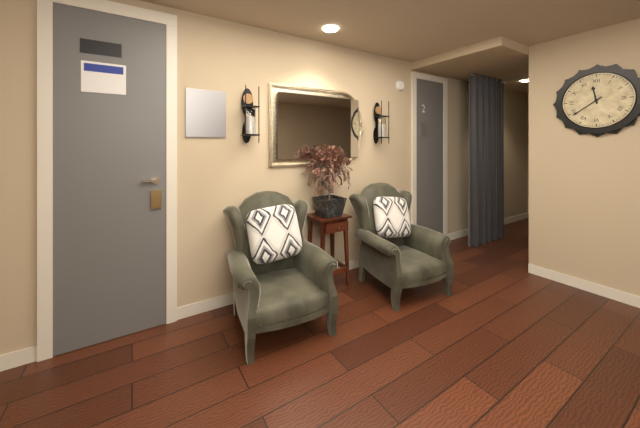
11h39
